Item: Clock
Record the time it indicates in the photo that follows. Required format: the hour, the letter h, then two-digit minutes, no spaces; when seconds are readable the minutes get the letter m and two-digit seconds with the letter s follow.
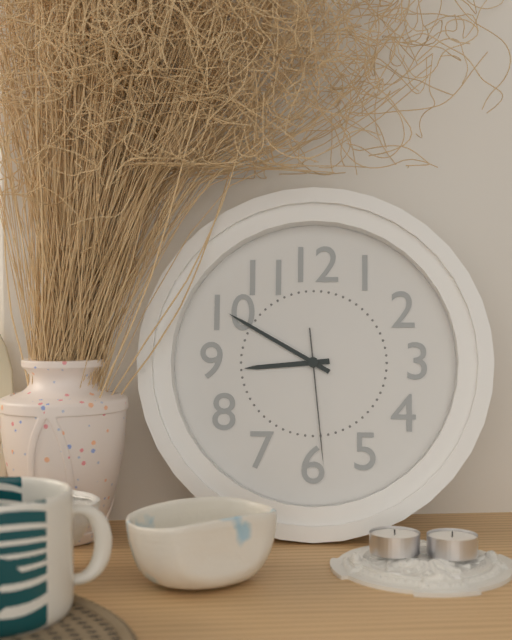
8h50m29s
